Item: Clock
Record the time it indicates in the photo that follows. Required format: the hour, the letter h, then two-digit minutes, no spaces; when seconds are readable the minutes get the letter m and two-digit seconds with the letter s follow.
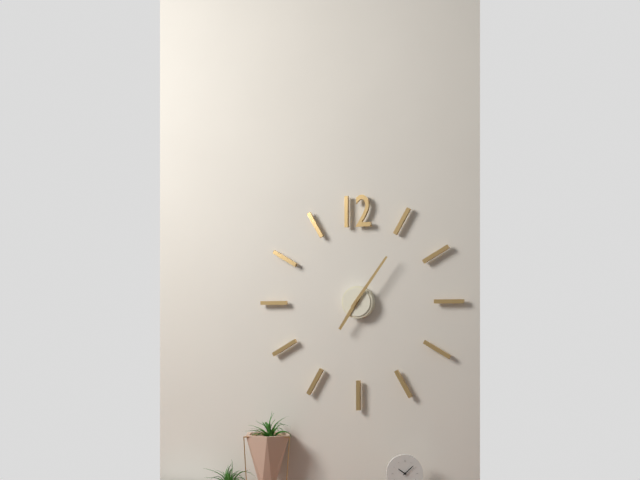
7h06
